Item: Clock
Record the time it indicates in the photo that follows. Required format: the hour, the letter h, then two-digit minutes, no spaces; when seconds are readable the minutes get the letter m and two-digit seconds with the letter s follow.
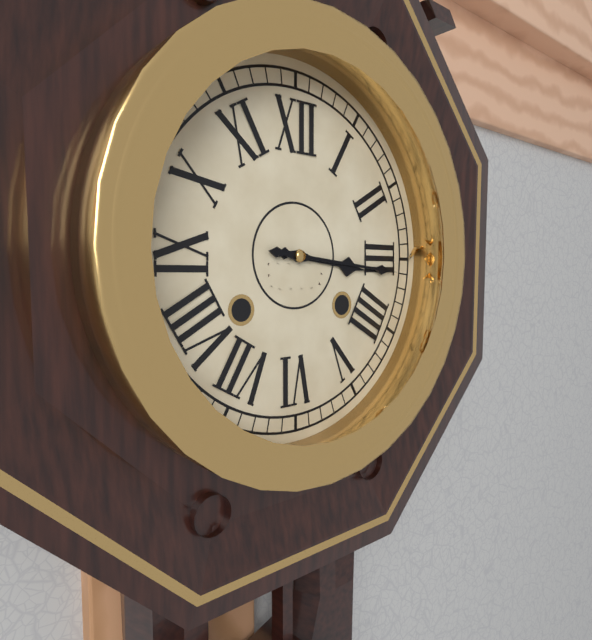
3h16
